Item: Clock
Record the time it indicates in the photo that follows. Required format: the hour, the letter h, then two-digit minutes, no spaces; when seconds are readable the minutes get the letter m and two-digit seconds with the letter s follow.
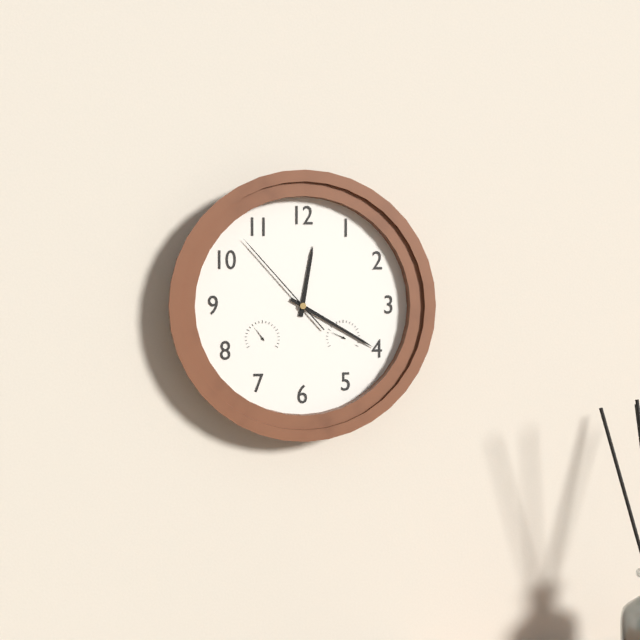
12h20m53s
